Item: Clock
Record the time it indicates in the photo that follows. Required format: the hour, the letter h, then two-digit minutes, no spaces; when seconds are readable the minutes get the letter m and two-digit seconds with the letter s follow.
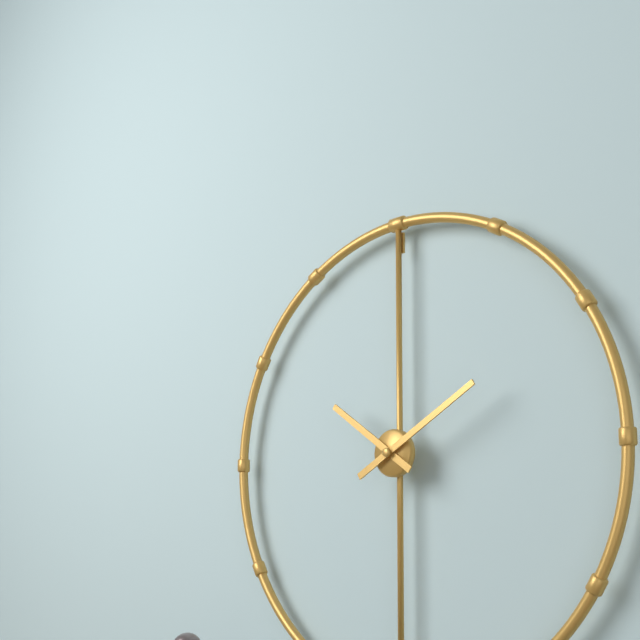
10h10
